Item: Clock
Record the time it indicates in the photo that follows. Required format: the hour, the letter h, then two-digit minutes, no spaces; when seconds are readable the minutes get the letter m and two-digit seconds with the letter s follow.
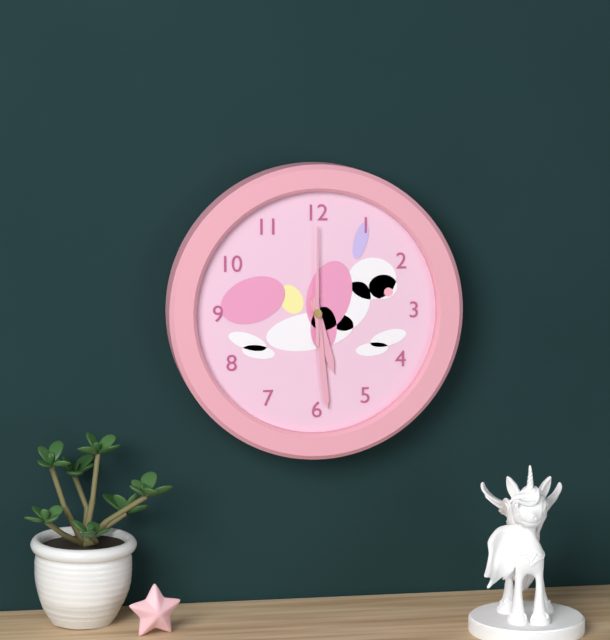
5h29m00s
